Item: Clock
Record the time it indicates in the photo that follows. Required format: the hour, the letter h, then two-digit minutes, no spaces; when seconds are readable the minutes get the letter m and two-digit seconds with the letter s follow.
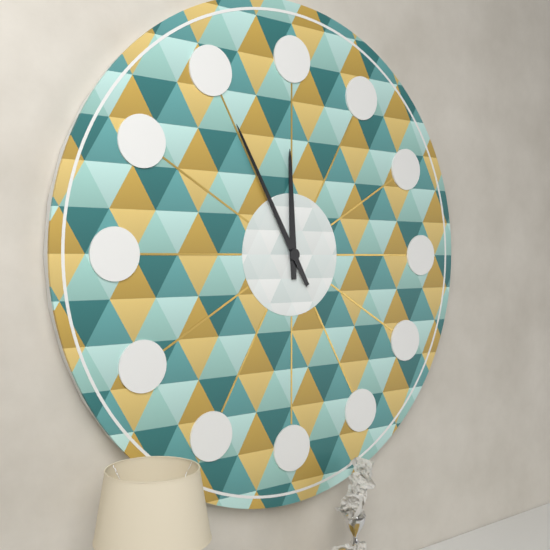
11h55
